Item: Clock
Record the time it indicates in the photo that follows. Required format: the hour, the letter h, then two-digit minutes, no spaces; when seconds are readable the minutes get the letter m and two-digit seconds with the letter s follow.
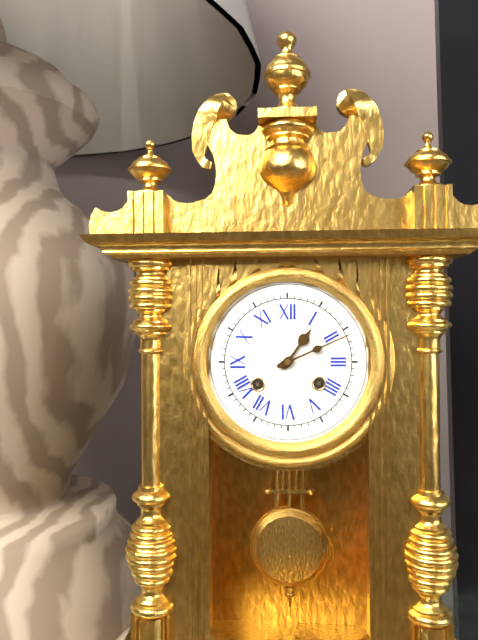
1h11
